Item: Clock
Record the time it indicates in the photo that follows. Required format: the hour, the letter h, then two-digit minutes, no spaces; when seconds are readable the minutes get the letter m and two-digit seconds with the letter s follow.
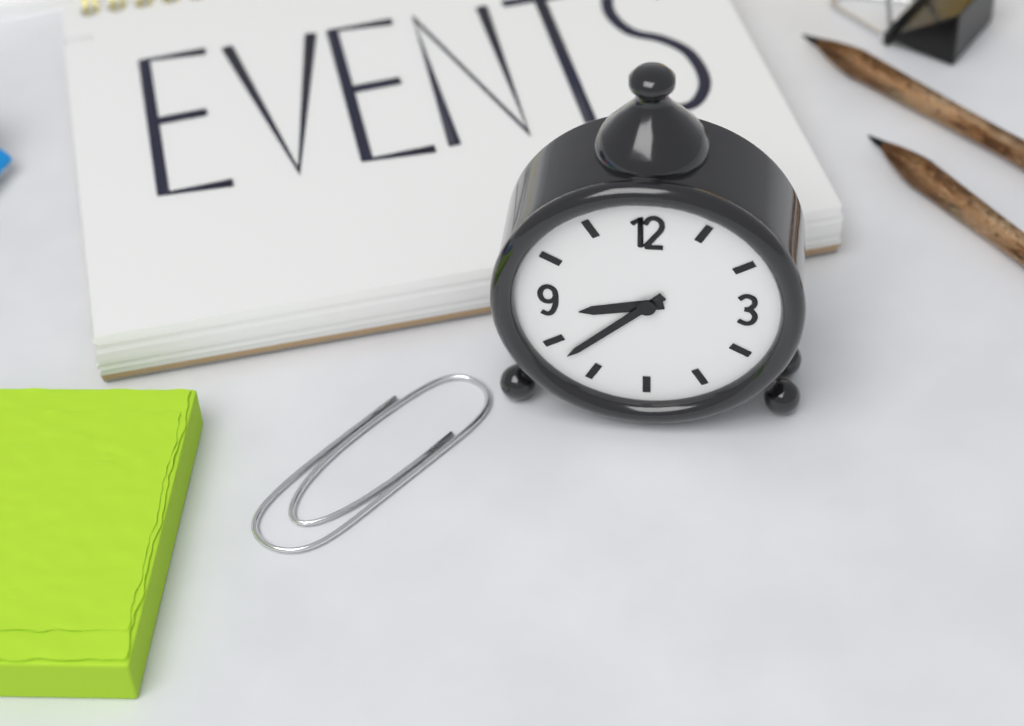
8h38
